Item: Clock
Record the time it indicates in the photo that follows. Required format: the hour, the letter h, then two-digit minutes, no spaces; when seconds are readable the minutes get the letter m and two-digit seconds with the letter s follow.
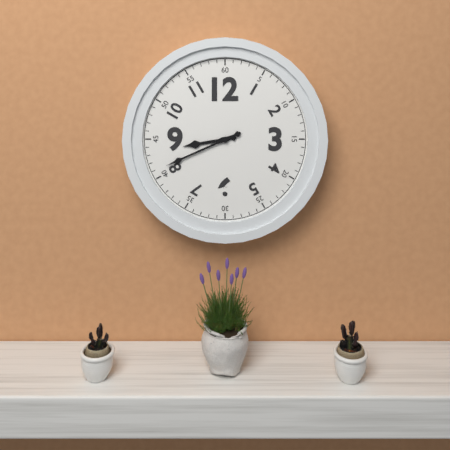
8h41
